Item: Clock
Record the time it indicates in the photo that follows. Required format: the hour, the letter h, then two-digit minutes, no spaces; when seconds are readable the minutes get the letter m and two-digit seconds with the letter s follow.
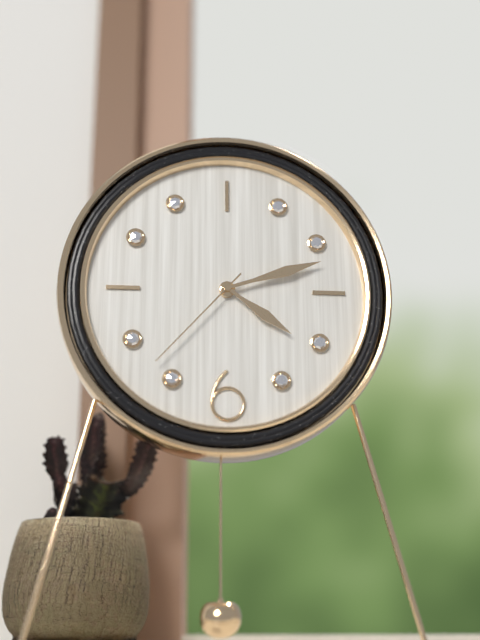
4h12m37s
